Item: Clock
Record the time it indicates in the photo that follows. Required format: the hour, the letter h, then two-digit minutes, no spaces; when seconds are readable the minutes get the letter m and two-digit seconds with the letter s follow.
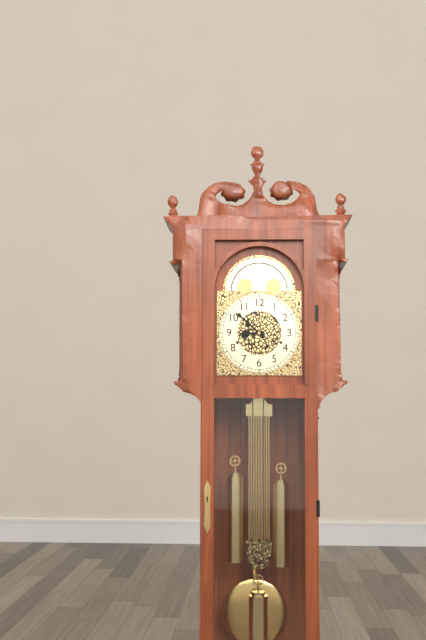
8h52
